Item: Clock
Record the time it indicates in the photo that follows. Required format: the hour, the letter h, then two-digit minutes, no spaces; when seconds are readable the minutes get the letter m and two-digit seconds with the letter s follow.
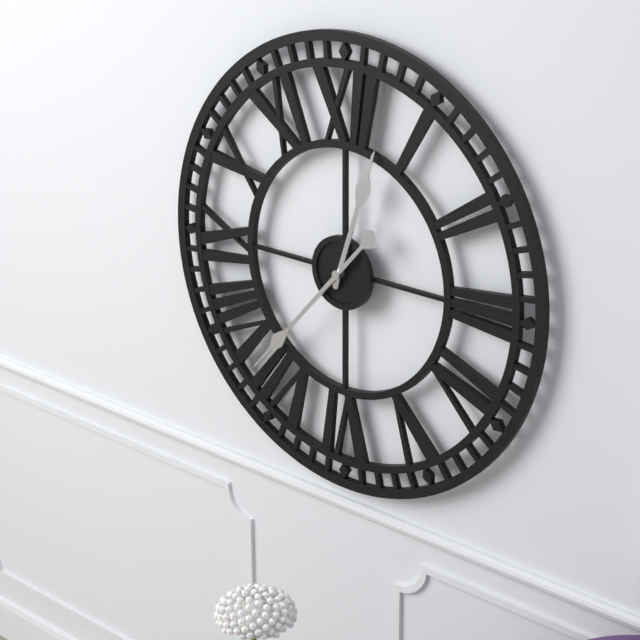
12h37
